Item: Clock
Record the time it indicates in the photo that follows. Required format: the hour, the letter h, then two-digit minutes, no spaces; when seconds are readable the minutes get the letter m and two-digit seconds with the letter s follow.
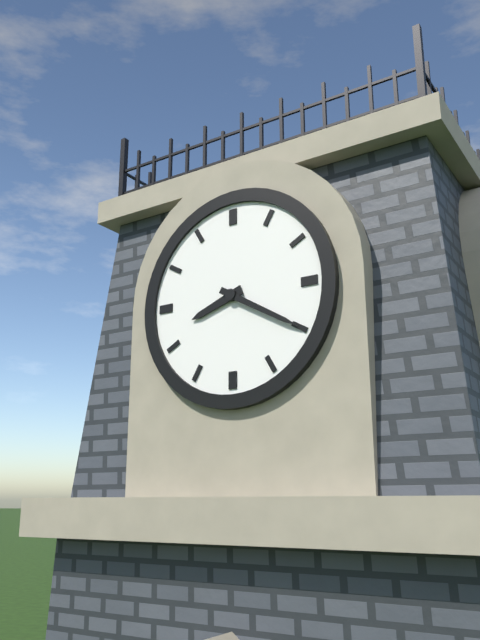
8h20
